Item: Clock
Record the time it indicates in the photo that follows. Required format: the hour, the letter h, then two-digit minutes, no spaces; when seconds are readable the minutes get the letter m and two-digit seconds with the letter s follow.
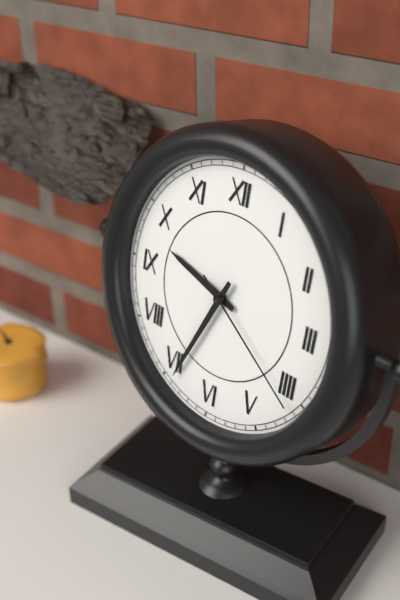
9h34m21s
